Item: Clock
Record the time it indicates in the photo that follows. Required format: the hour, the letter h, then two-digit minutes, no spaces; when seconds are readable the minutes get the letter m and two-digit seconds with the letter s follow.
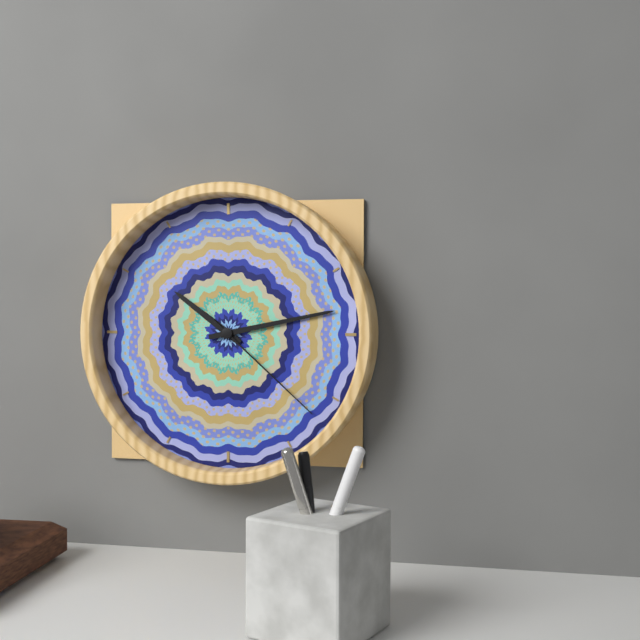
10h13m22s
